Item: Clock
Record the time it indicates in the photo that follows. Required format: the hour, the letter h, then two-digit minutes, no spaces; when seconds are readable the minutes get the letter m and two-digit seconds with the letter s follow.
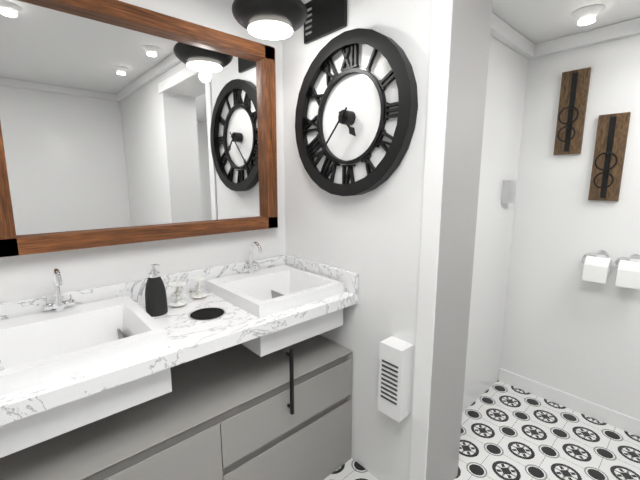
4h37
